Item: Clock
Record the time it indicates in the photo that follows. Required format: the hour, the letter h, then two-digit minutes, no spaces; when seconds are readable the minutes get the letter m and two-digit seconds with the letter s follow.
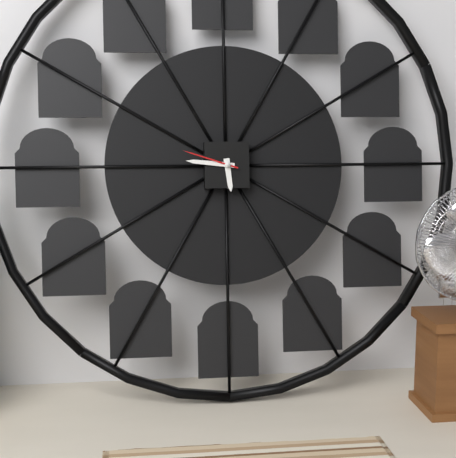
5h46m48s
